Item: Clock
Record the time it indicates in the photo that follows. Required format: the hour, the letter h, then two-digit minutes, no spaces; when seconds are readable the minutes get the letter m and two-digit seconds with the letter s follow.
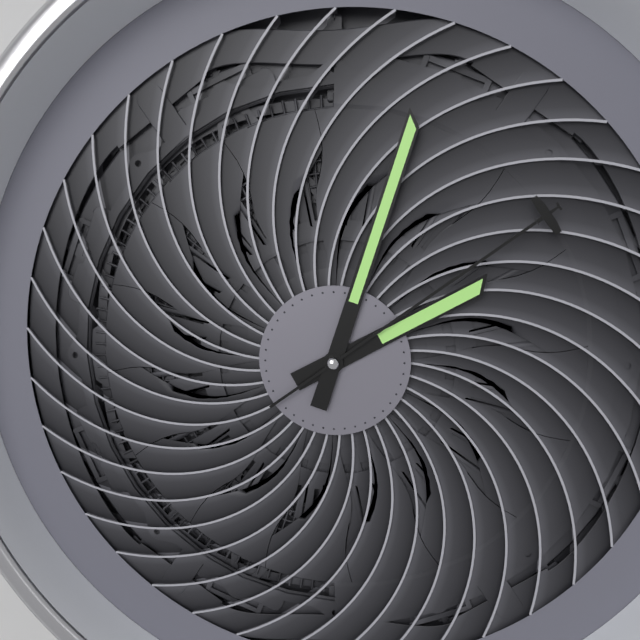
2h03m09s
